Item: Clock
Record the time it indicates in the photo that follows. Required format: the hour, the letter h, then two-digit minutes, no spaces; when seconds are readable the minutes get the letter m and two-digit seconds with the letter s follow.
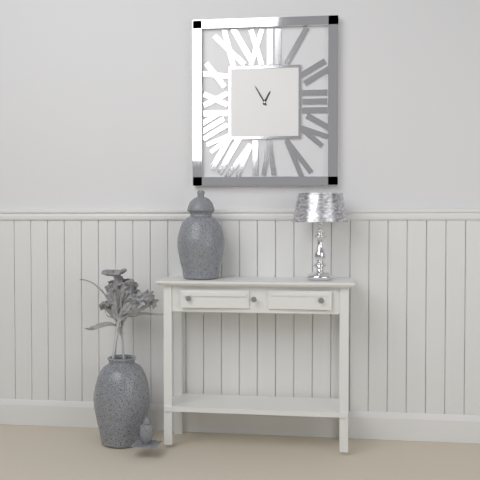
12h55
